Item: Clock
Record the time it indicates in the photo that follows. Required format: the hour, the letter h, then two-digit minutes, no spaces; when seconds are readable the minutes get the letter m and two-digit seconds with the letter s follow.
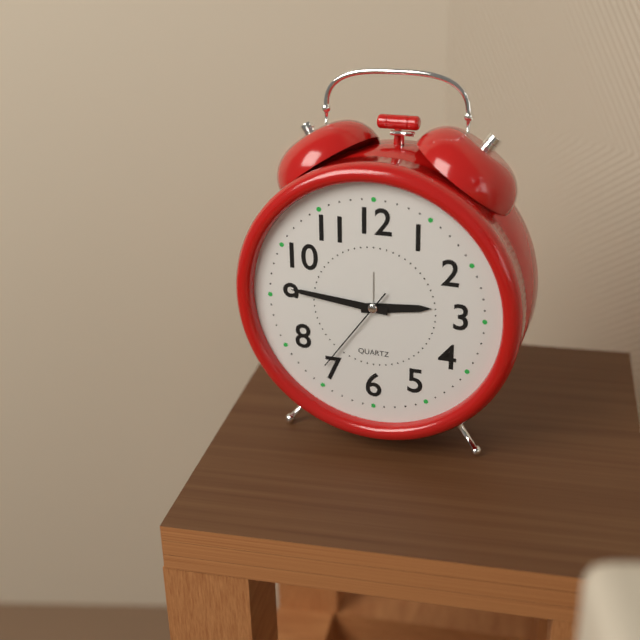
2h46m36s
